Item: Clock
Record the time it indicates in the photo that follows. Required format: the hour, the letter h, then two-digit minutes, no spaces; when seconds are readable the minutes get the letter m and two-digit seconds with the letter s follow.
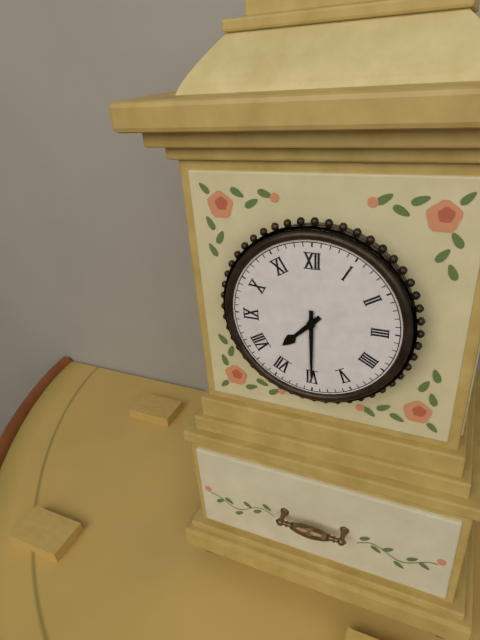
7h30
